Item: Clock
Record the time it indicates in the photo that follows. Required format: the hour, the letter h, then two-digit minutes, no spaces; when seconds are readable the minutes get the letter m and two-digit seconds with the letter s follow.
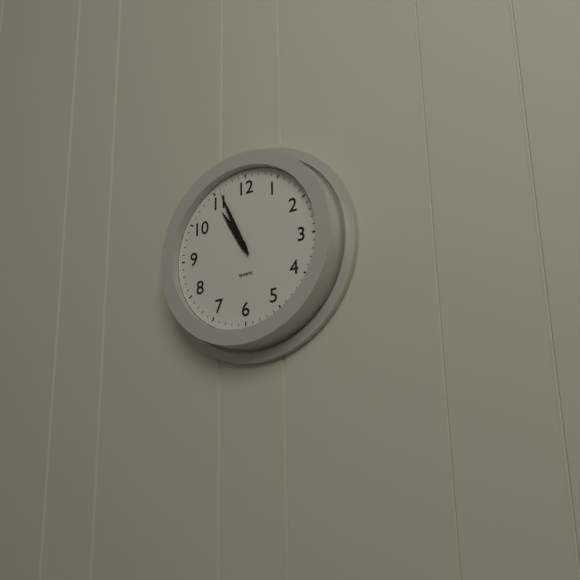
10h56
